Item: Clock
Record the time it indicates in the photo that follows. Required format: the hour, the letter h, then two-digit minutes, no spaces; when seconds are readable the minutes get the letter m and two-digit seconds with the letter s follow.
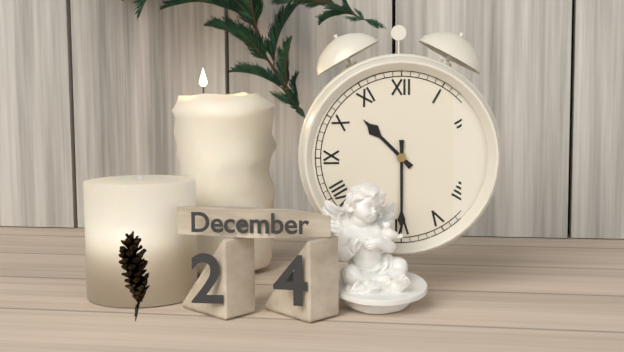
10h30
